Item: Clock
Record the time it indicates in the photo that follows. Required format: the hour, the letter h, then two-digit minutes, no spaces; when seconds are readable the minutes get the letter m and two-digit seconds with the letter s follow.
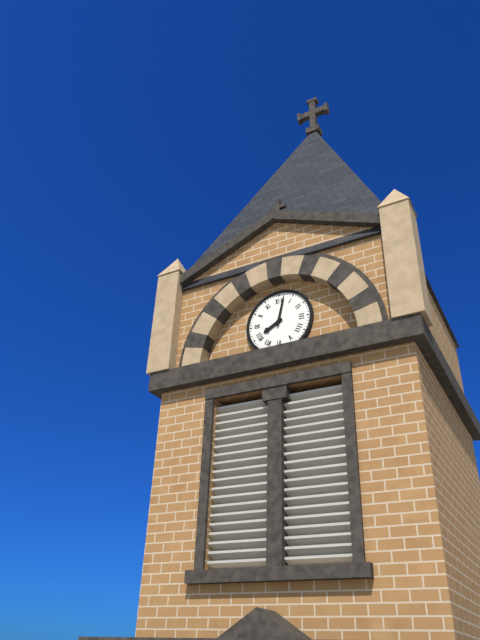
8h02
